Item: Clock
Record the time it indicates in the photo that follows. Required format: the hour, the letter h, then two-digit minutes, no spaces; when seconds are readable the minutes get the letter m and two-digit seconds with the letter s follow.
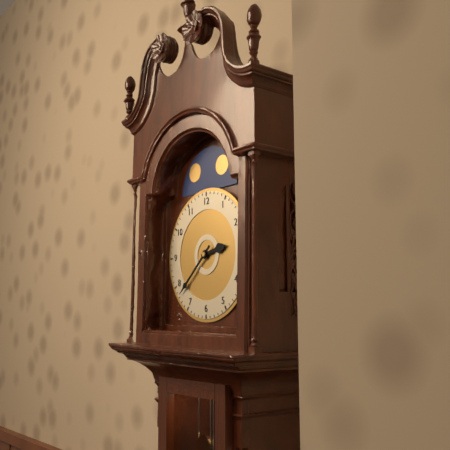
2h38
